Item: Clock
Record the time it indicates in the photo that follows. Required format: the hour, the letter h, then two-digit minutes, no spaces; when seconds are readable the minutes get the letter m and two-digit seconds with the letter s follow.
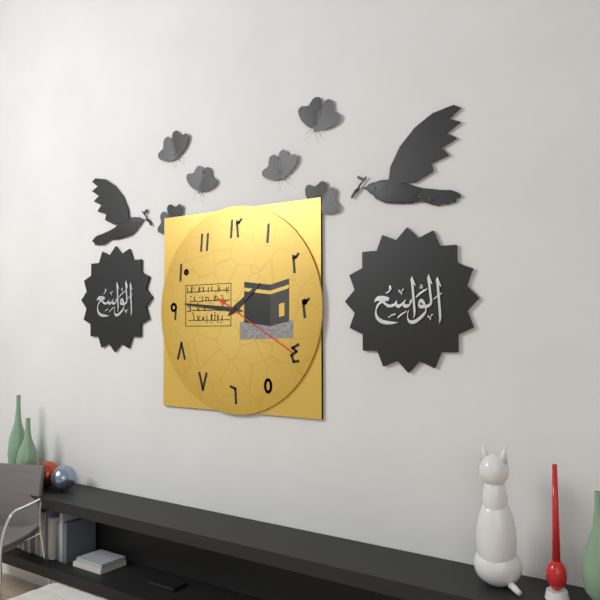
1h46m20s
